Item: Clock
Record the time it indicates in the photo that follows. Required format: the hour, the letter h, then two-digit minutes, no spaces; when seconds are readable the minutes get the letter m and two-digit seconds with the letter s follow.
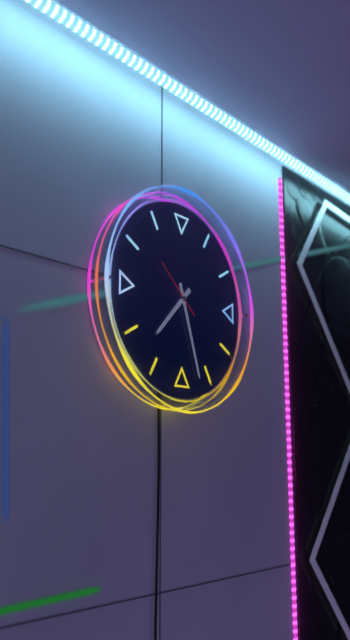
7h27m52s
